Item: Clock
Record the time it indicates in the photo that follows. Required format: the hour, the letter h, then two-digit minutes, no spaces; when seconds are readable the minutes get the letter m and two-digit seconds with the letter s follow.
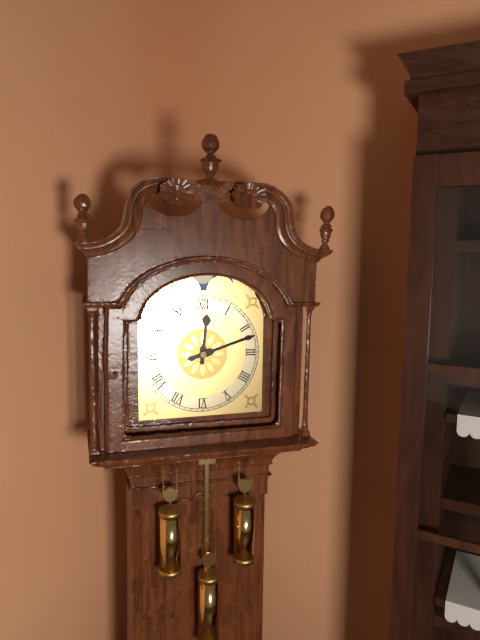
12h12
